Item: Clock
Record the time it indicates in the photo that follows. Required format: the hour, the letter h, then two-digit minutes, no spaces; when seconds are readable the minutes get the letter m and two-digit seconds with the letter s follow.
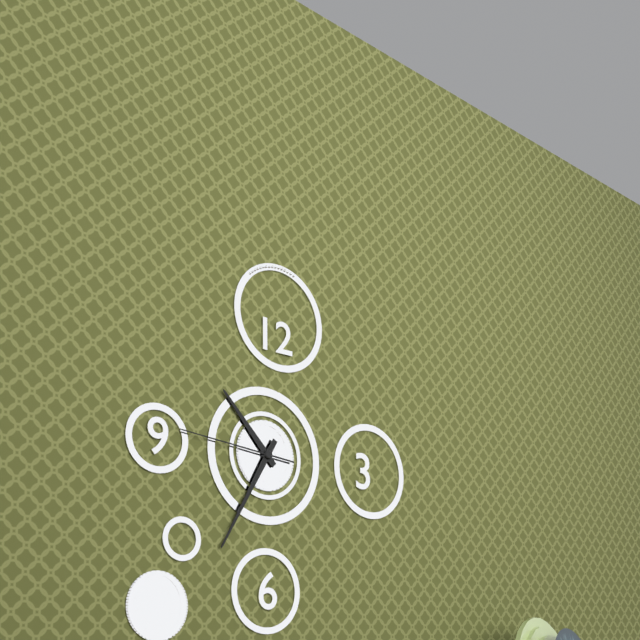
10h35m46s
